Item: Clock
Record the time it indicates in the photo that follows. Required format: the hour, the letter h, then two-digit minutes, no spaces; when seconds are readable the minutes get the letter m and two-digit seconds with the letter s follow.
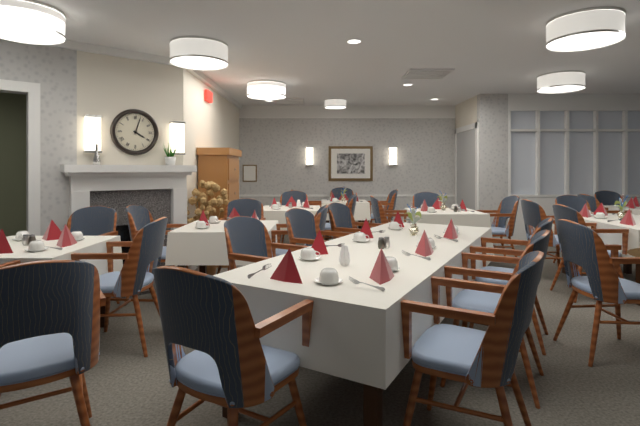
4h03
